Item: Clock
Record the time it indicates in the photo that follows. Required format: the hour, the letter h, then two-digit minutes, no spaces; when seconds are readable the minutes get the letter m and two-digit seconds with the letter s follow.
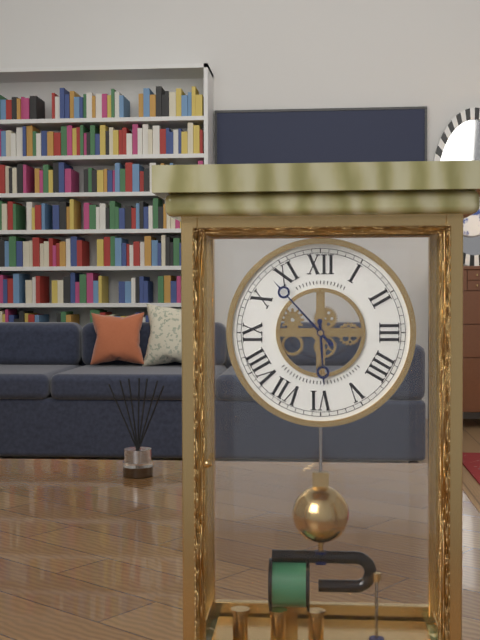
5h53
